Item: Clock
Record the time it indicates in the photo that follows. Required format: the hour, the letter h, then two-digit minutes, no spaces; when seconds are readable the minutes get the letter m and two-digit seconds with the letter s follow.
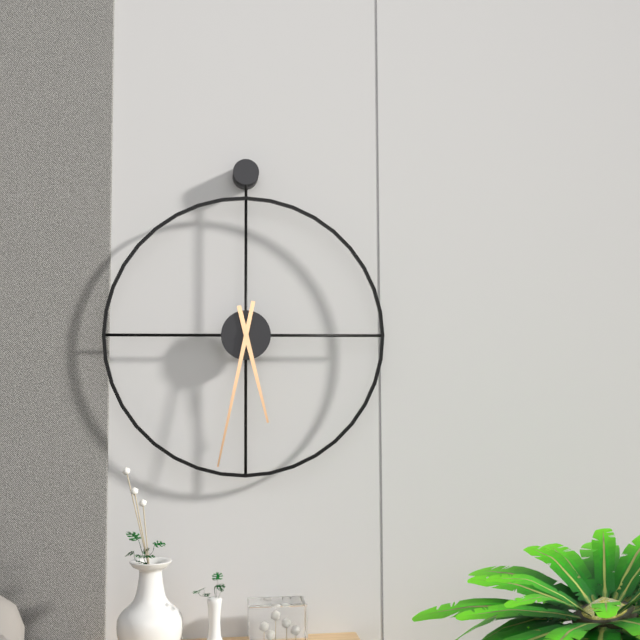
5h32
